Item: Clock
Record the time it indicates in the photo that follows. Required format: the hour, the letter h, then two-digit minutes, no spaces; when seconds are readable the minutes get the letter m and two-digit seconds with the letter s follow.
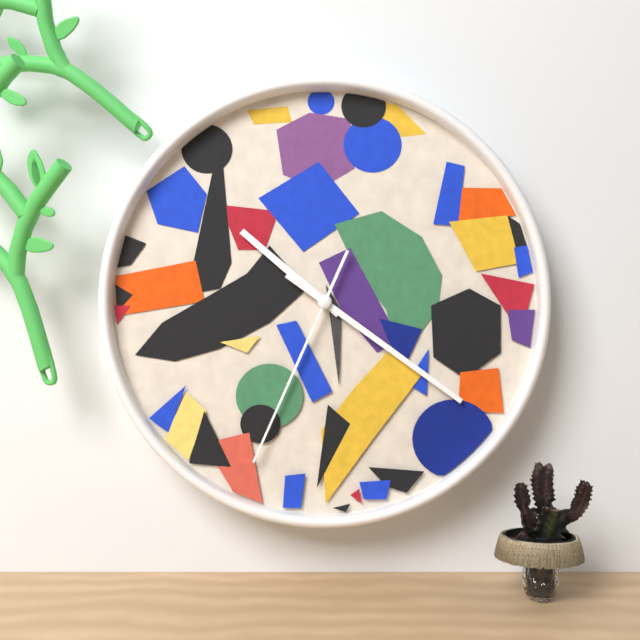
10h21m34s
